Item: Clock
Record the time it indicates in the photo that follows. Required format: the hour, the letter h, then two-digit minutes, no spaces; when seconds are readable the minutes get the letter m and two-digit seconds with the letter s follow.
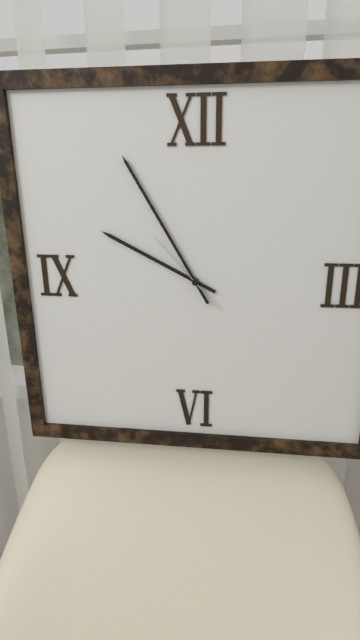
9h55m53s
